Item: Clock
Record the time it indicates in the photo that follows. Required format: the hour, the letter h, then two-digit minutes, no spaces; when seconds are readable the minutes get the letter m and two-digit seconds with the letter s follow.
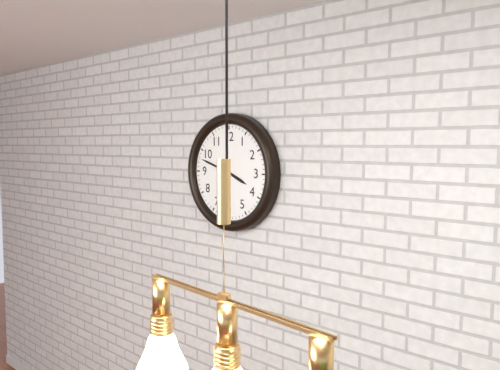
3h48
